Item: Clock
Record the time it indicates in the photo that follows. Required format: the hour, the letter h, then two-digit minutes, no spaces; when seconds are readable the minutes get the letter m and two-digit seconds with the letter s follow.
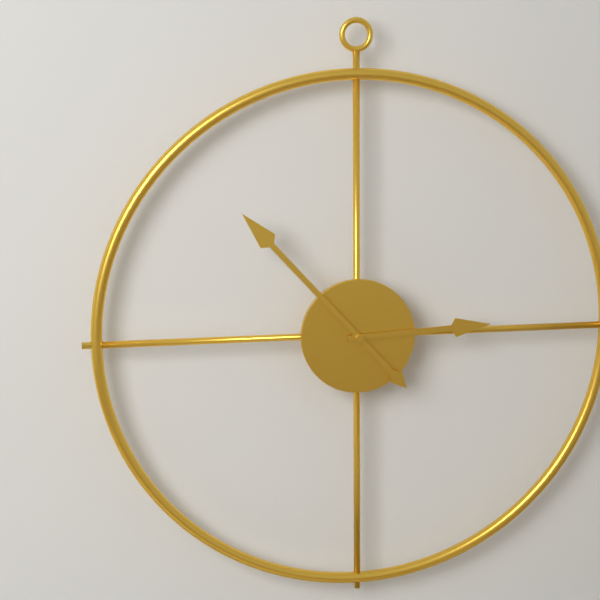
2h53
